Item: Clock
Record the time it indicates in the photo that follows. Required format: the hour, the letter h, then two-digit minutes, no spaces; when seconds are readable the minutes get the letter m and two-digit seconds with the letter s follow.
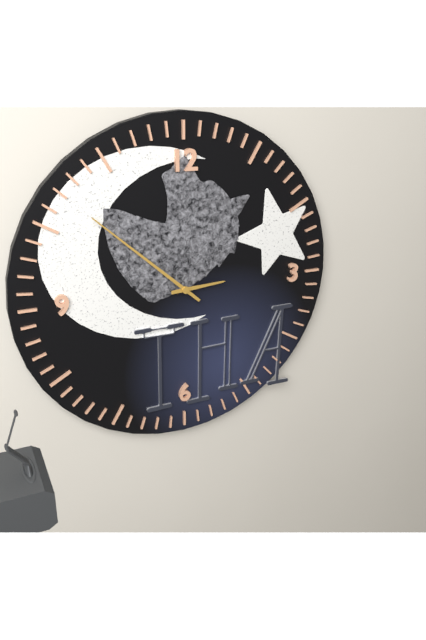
2h52
